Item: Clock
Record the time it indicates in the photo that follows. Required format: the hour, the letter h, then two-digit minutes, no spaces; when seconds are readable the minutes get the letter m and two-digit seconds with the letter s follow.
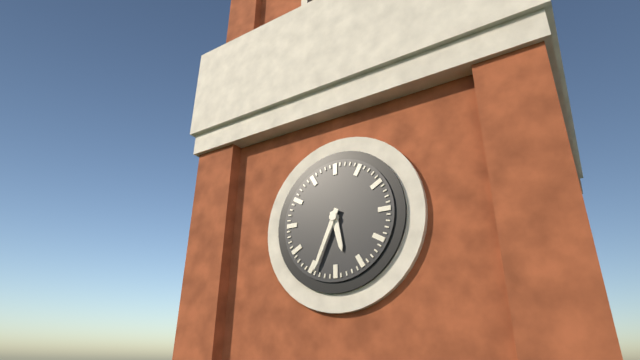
5h34
